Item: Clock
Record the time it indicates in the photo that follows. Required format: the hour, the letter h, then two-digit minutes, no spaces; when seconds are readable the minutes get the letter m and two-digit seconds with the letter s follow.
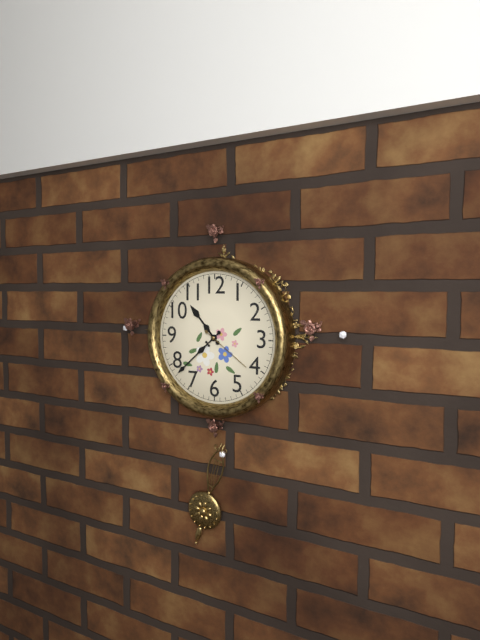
10h38m21s
